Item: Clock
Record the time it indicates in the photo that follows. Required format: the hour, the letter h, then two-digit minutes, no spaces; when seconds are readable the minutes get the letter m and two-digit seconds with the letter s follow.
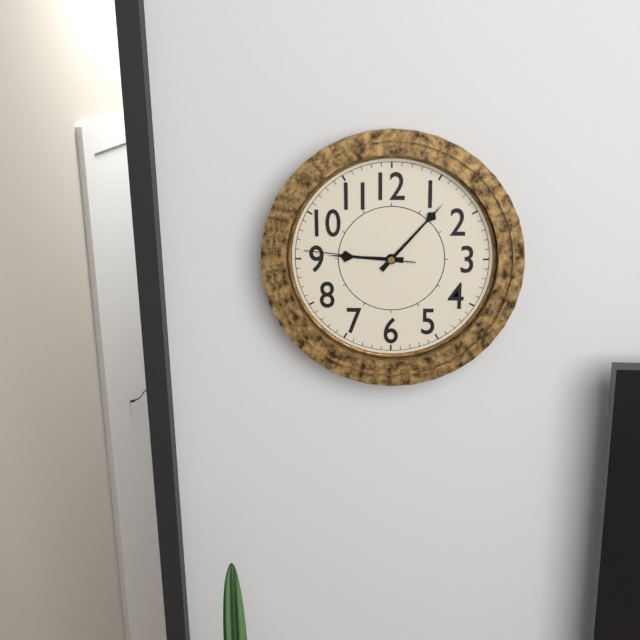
9h07m46s
